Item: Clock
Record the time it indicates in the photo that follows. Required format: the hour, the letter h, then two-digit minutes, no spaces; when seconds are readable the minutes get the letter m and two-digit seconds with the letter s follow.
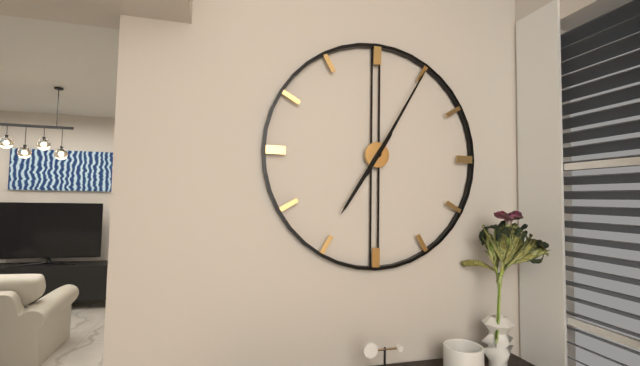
7h05
